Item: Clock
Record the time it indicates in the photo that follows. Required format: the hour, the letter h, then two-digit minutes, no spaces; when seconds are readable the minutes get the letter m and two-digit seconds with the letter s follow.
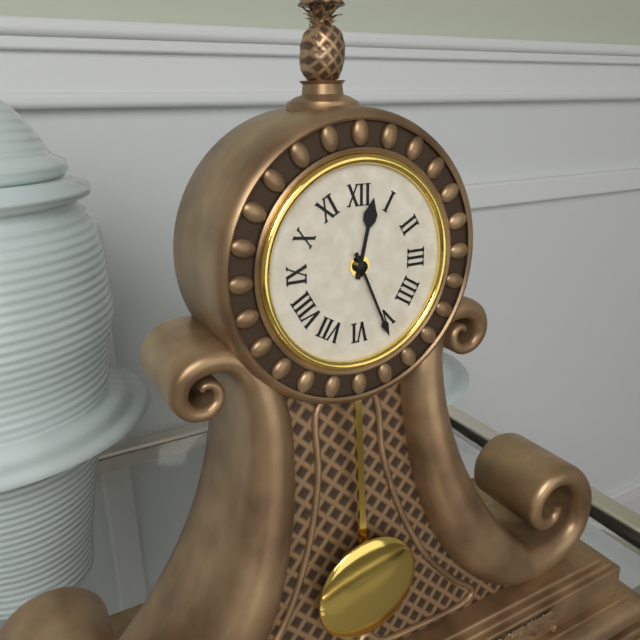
12h26
